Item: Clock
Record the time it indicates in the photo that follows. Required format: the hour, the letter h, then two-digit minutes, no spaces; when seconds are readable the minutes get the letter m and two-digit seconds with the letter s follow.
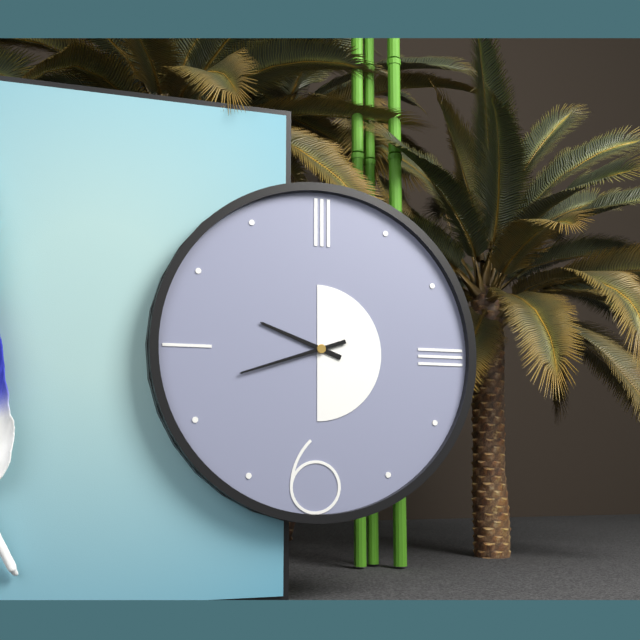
9h42
